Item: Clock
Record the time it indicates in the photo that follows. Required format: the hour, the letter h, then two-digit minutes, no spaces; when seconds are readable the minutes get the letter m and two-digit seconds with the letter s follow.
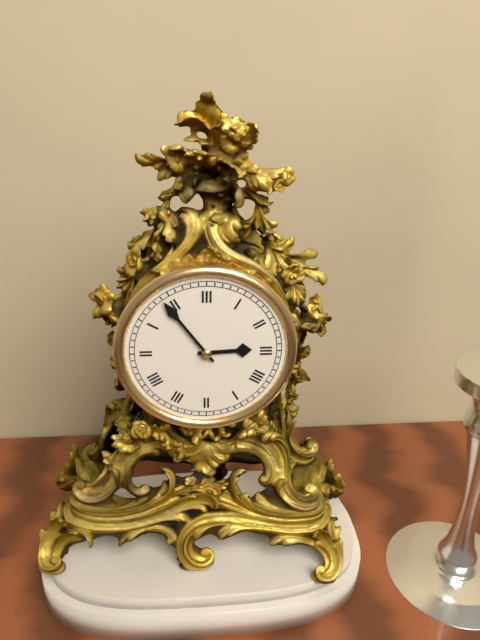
2h54
